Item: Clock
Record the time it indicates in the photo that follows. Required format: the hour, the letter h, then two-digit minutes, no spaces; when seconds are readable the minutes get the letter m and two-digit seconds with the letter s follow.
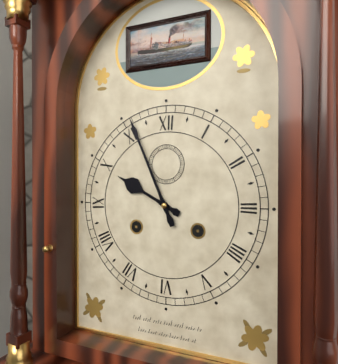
9h56
